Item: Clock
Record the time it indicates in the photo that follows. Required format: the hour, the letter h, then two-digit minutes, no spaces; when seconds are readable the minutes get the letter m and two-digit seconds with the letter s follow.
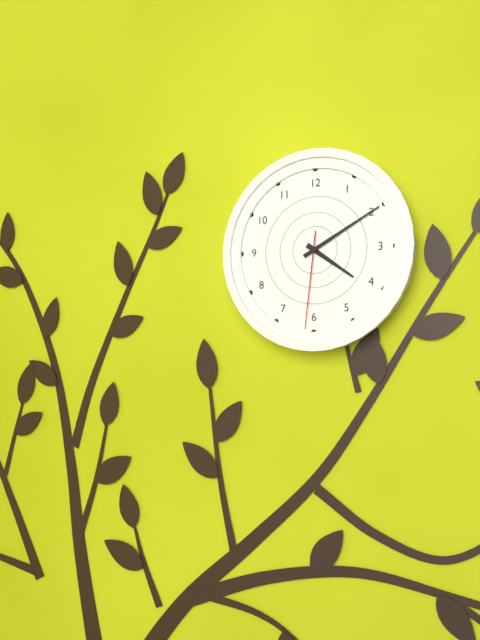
4h10m31s
